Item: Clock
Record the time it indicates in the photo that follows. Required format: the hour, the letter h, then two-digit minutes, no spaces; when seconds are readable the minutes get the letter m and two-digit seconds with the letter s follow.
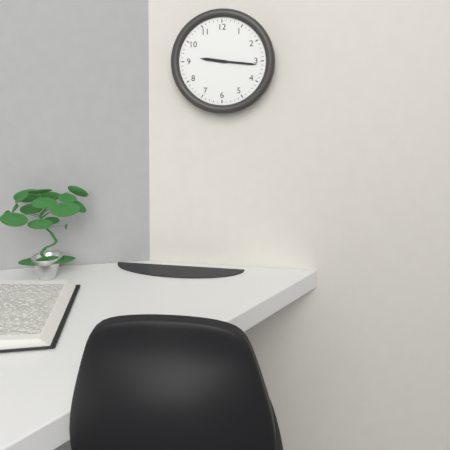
9h16
